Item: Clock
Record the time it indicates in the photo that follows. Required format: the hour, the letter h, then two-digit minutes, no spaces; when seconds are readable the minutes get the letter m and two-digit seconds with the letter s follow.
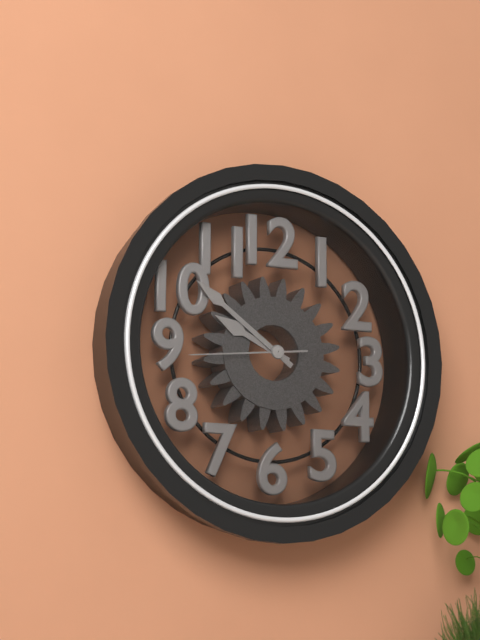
9h51m44s
